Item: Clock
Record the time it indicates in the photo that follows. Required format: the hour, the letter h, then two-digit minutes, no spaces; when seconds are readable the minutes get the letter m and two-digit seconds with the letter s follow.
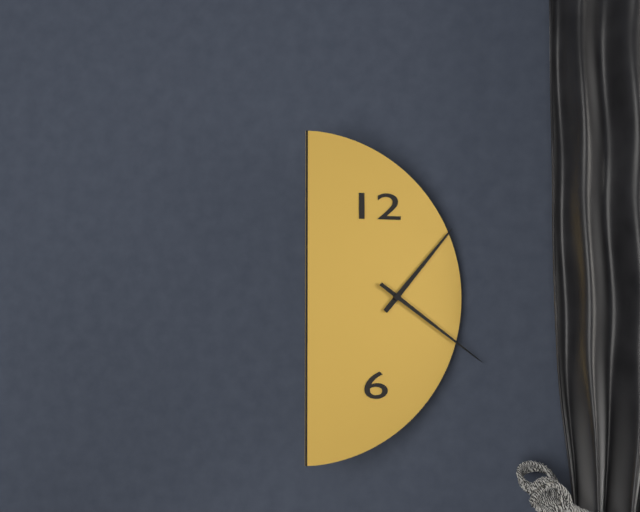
1h21
